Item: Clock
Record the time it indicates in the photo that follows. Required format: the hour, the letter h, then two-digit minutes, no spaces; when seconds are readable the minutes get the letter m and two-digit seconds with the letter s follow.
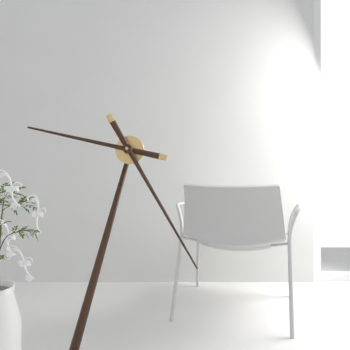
9h25
